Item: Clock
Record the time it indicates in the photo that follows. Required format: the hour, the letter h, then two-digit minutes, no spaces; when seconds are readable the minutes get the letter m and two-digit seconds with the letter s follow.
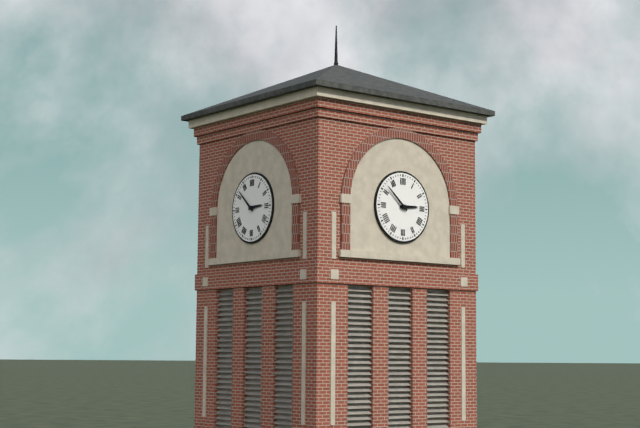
2h52
